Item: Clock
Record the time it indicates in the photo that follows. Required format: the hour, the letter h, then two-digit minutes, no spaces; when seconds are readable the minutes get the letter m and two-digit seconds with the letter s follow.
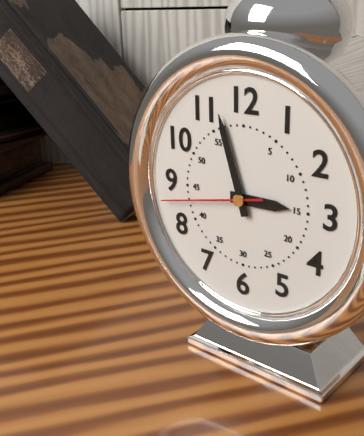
2h57m43s
